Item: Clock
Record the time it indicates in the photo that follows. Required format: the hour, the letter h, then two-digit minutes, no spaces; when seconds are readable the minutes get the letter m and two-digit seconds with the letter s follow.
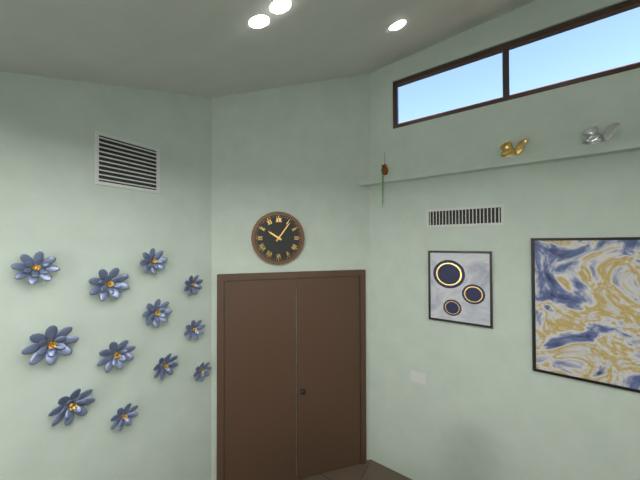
10h06
